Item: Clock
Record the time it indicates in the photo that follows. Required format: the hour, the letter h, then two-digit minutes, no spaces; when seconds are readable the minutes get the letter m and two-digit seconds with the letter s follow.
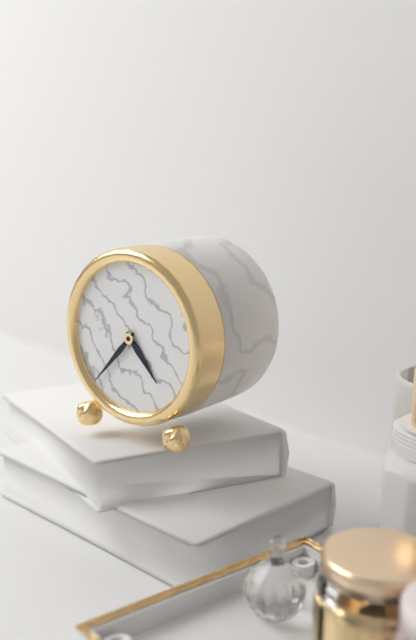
4h37
